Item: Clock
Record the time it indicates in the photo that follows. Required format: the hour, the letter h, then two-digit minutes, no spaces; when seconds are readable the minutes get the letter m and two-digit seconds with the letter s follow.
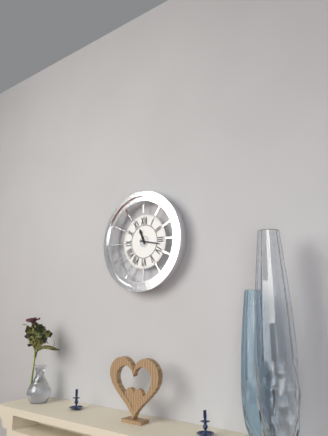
11h17
